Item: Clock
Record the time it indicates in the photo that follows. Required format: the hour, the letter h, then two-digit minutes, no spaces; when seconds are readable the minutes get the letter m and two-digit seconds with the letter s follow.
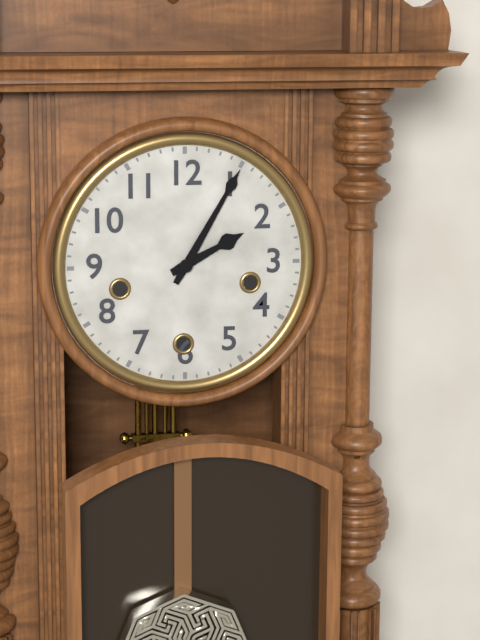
2h05
